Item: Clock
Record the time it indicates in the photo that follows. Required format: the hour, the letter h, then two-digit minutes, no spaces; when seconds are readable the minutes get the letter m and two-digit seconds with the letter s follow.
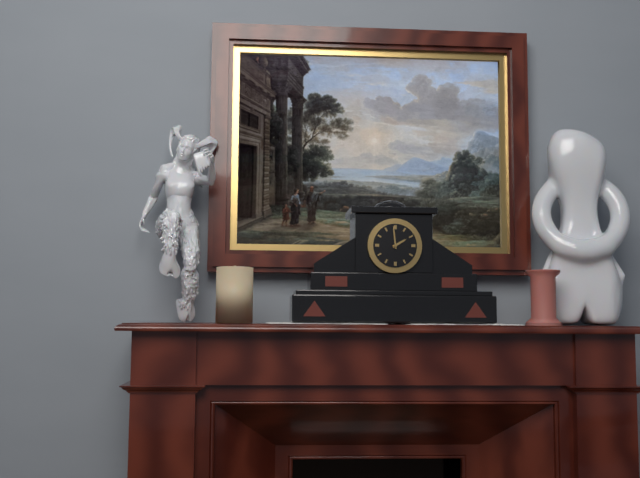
1h59
